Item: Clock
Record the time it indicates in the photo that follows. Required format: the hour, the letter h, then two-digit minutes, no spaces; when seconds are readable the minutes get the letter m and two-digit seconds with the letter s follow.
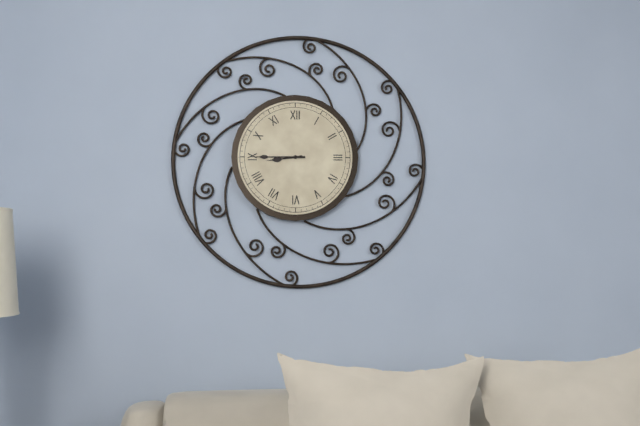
8h45
